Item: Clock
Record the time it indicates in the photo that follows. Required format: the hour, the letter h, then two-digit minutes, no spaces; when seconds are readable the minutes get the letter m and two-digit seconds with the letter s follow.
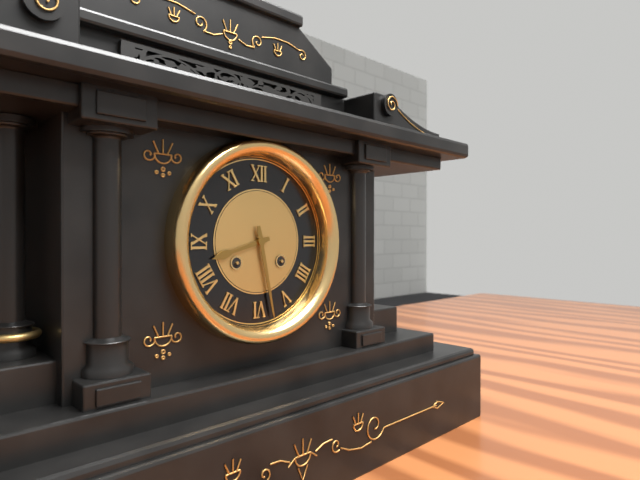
8h28
